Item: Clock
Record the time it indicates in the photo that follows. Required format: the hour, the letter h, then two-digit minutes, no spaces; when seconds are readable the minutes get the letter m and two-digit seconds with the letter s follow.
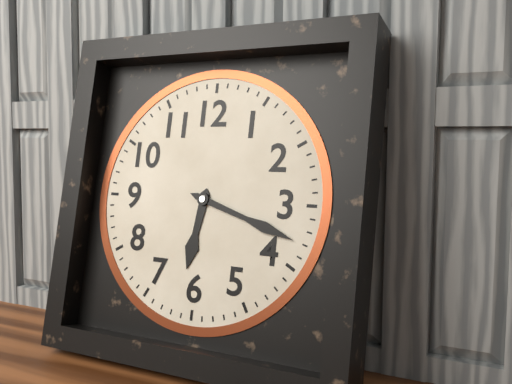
6h18
